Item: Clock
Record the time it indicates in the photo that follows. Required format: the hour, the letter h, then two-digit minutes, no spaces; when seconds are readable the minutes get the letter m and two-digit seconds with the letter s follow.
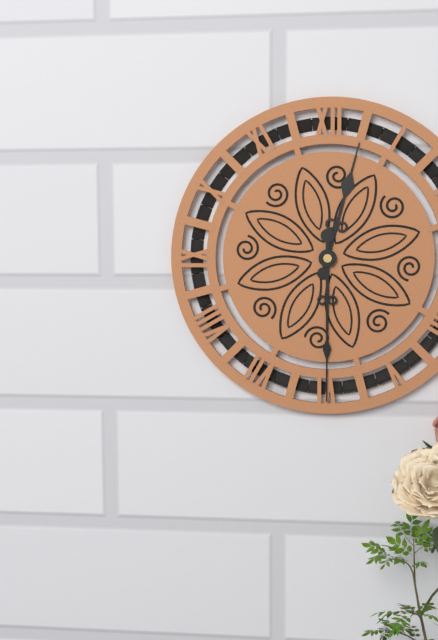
12h30
